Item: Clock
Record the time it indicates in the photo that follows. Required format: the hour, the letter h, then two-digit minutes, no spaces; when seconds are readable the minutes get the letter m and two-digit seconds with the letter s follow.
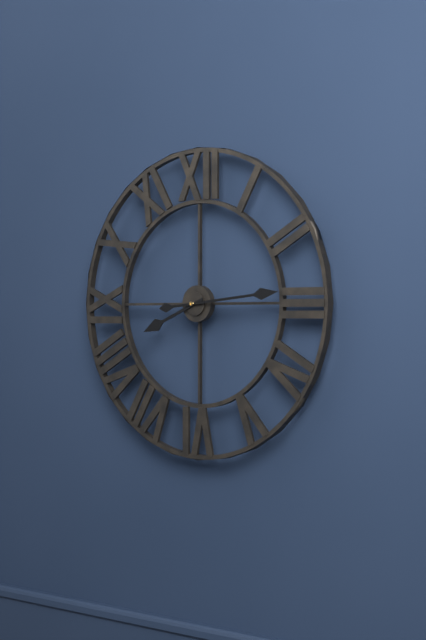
8h14
